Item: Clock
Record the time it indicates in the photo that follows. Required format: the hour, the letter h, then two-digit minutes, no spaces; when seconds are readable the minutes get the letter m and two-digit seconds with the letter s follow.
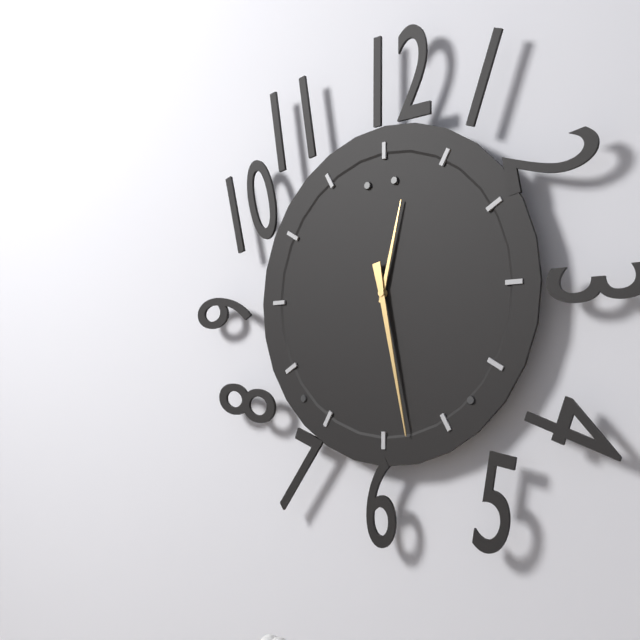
12h28
